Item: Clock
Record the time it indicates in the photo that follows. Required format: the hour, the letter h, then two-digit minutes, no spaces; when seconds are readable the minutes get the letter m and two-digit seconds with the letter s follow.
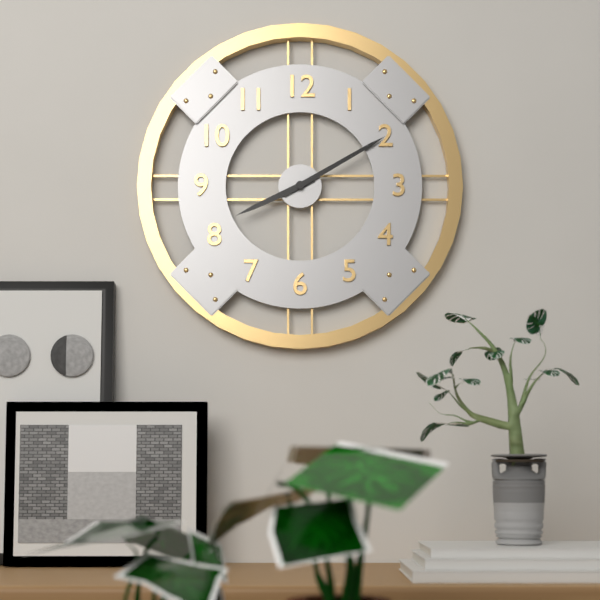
8h10
